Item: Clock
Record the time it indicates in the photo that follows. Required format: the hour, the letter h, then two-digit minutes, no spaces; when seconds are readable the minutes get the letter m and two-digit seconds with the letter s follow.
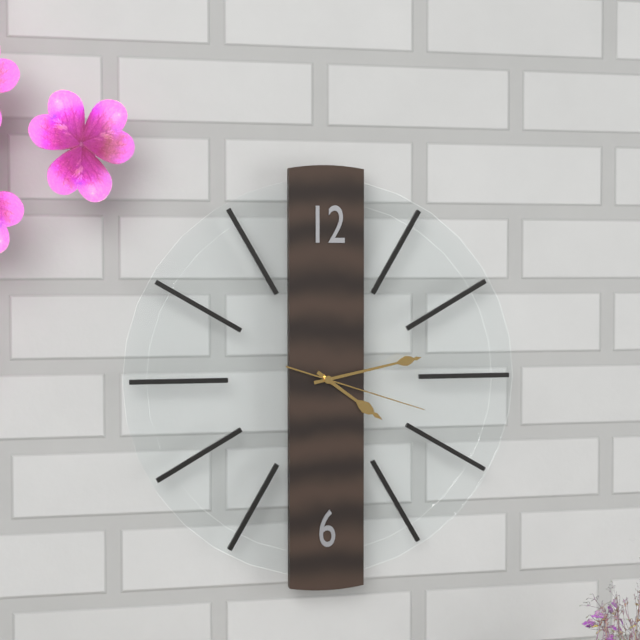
4h13m18s
